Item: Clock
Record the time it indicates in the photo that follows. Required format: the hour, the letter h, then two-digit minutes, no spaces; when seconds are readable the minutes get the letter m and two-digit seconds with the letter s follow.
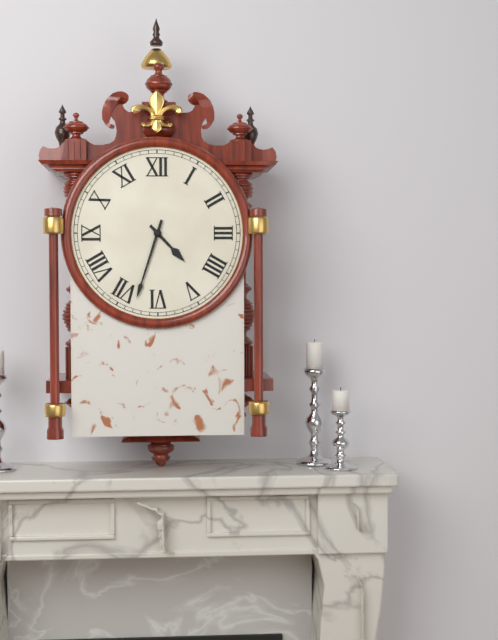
4h33
